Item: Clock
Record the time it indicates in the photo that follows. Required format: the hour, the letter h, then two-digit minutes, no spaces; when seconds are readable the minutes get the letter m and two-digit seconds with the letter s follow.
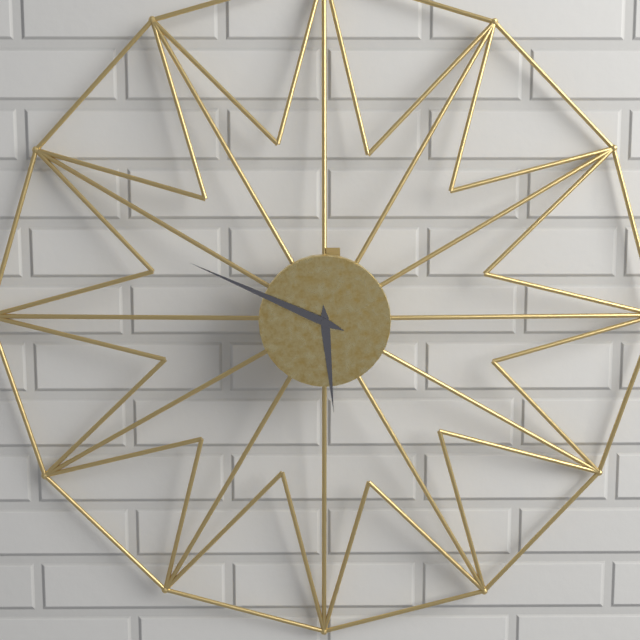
5h49
